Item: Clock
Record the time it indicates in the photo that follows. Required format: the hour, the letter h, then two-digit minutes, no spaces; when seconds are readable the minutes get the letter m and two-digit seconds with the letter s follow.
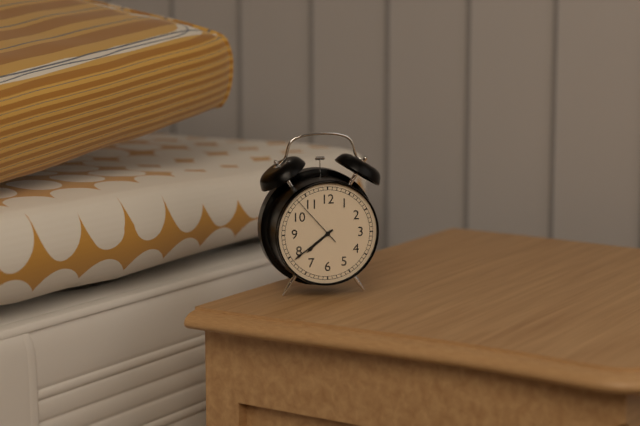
7h39m53s
